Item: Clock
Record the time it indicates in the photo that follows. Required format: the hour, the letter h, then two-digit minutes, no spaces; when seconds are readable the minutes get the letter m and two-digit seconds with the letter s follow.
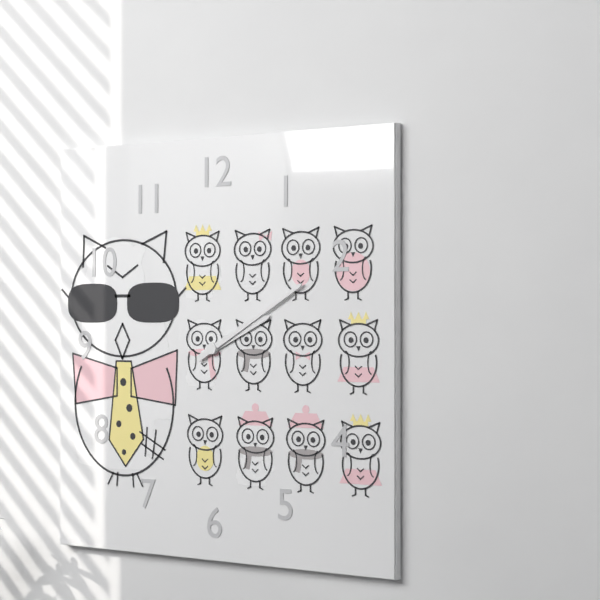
2h10
